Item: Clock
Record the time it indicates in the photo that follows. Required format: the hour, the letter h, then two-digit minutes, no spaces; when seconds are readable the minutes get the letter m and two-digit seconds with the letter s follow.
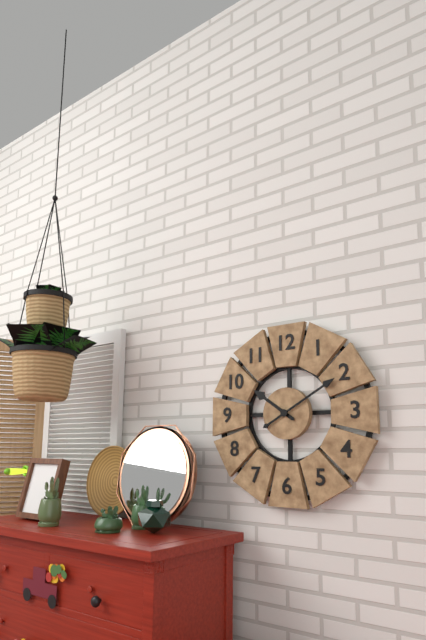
10h10
